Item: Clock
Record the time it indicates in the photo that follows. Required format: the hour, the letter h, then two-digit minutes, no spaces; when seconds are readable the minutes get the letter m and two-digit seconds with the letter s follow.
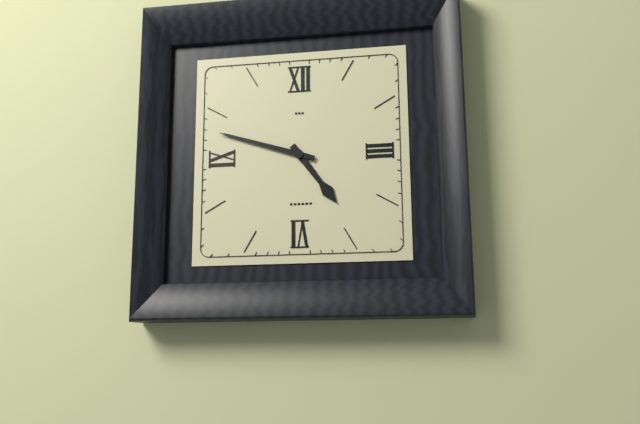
4h48
